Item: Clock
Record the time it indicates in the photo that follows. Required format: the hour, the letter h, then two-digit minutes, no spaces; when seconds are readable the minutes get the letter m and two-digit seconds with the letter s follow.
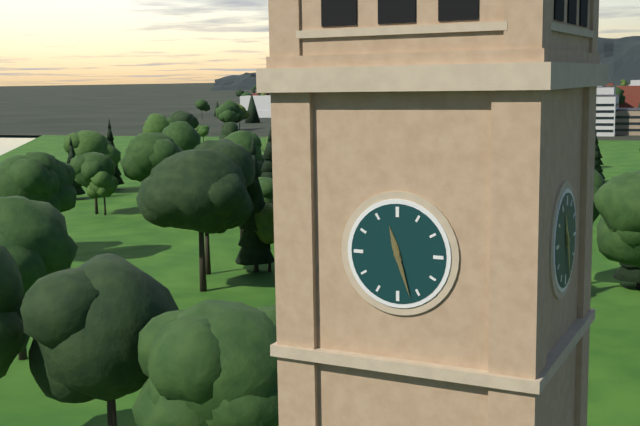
11h27
